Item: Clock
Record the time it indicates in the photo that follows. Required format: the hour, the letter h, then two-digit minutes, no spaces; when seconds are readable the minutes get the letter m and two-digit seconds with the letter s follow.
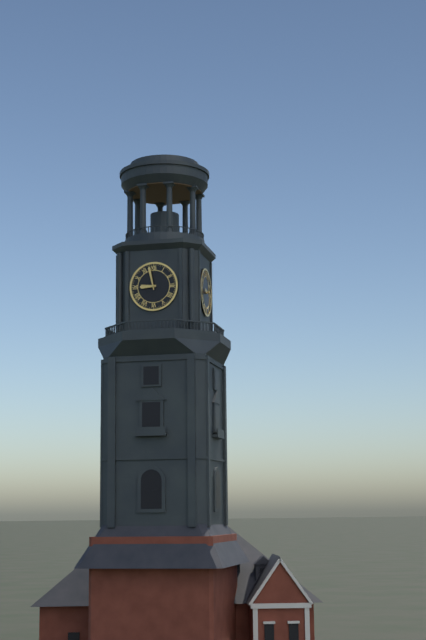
8h58
